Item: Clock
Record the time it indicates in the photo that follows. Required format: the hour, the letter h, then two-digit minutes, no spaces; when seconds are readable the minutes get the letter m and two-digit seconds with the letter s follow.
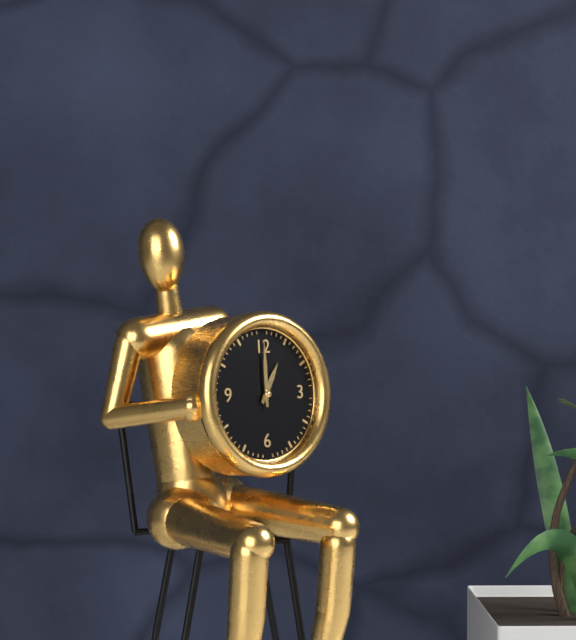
1h00
